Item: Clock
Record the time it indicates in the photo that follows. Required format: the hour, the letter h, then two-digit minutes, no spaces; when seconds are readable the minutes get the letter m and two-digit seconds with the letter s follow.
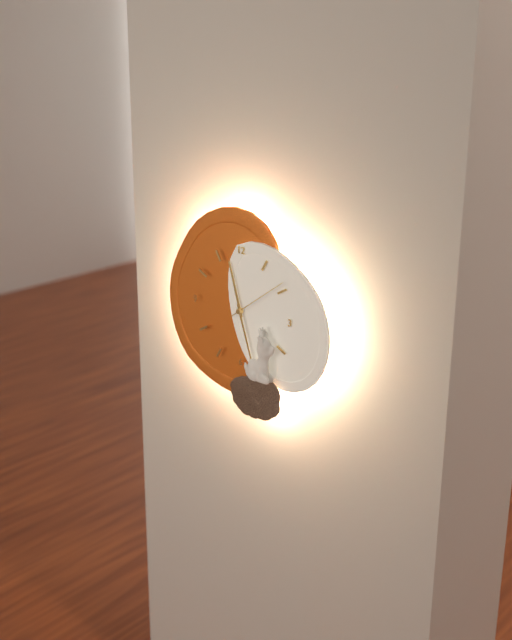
11h27m09s
